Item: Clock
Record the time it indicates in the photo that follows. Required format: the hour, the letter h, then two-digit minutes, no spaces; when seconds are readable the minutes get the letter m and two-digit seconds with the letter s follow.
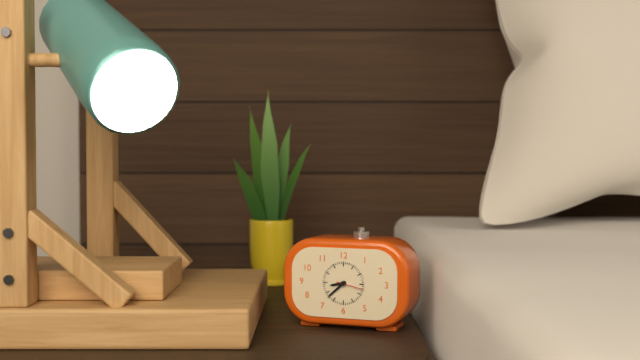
8h38
